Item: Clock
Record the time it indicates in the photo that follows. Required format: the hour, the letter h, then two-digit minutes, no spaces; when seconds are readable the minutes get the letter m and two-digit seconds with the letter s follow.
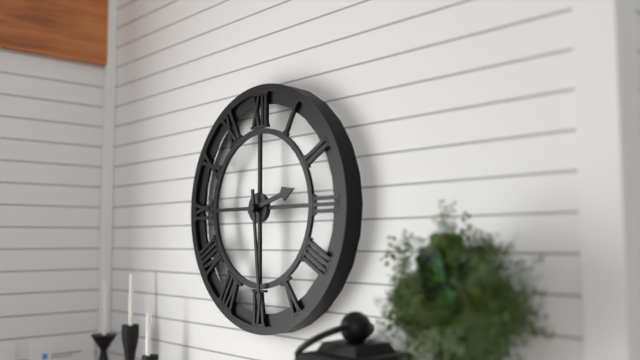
2h29
